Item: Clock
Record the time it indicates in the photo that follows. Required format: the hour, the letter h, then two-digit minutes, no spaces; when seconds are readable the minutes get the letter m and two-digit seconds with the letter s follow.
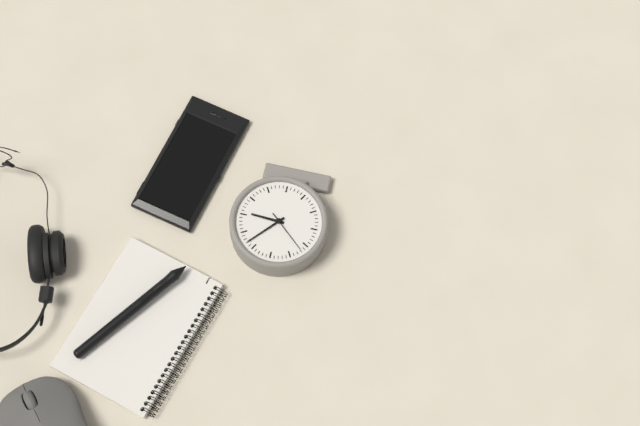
3h07
